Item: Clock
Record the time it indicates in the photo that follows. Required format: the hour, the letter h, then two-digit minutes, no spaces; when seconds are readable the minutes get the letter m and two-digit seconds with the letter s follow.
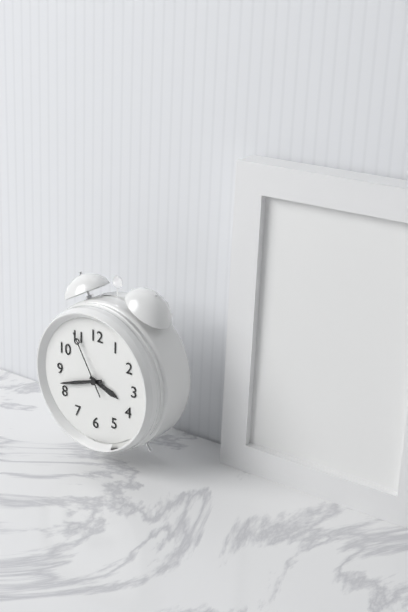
3h42m55s
